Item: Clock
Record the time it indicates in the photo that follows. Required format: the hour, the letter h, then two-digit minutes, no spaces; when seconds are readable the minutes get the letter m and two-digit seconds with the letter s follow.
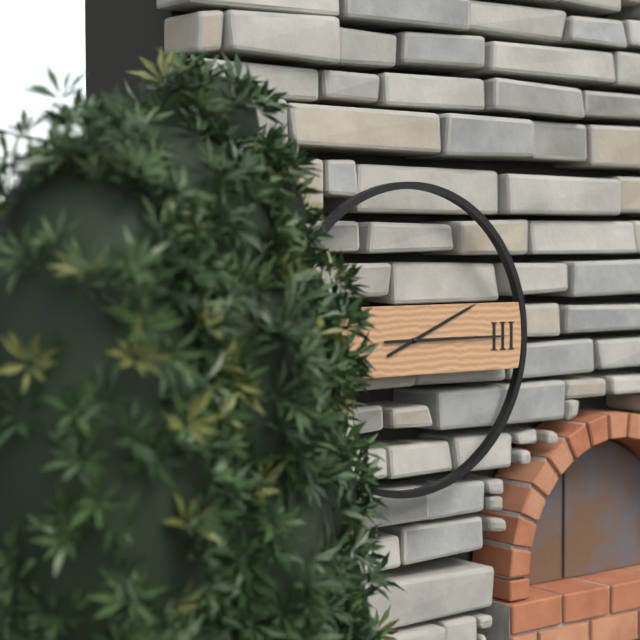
2h15
